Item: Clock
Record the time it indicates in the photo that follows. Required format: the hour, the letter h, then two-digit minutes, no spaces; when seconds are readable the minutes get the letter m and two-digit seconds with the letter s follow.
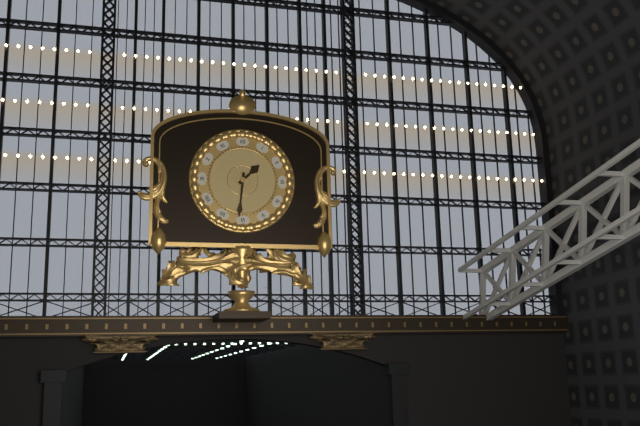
1h31
